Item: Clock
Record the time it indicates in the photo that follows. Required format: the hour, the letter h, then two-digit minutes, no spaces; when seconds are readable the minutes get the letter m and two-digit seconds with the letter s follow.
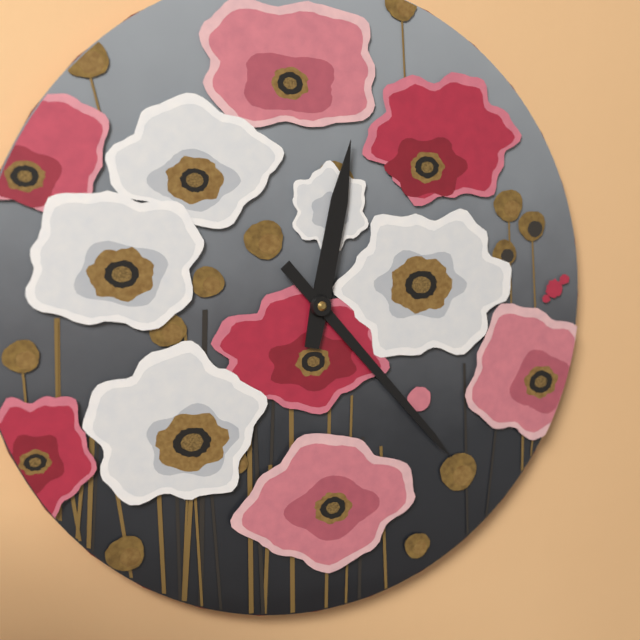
12h23
